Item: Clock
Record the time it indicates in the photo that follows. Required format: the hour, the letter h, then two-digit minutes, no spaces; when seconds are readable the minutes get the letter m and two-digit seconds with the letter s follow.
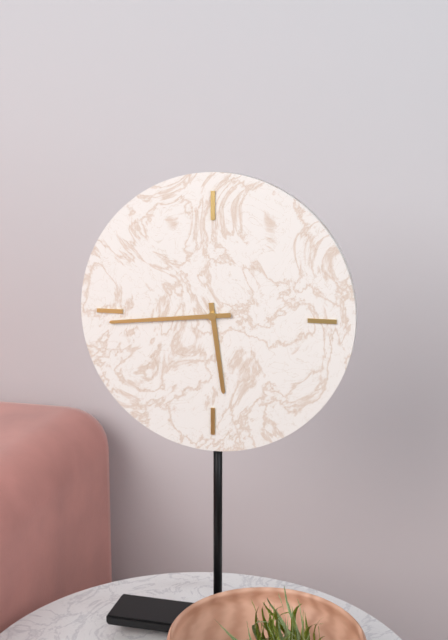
5h44
